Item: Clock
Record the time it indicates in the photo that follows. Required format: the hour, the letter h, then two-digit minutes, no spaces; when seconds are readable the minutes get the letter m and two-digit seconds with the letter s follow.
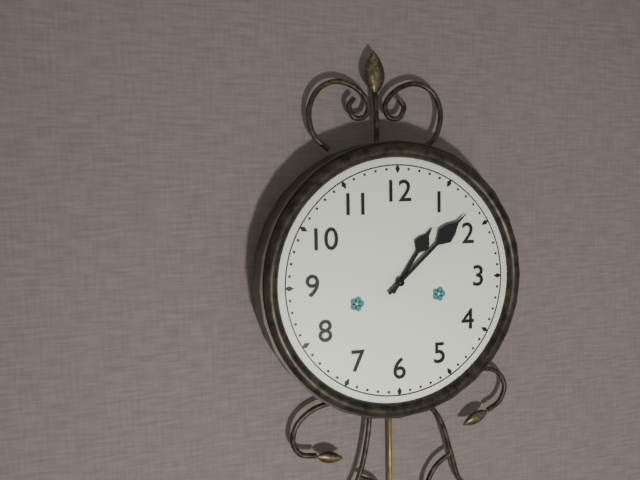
1h08
